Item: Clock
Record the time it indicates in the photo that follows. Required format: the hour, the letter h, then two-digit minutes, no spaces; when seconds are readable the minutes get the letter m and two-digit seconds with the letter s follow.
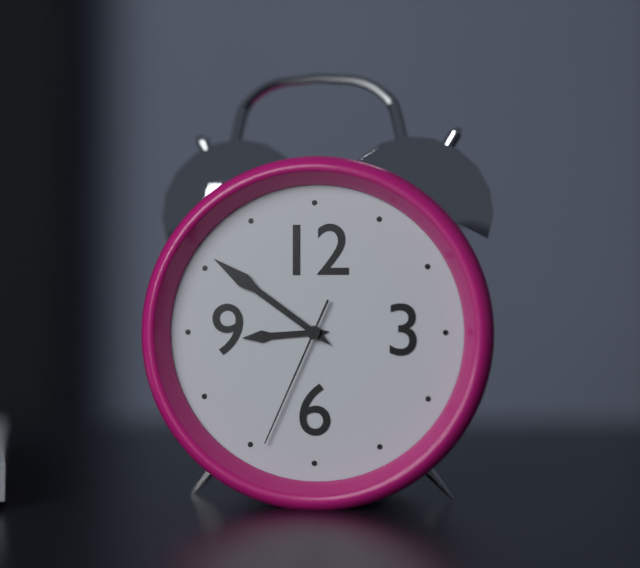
8h51m34s
